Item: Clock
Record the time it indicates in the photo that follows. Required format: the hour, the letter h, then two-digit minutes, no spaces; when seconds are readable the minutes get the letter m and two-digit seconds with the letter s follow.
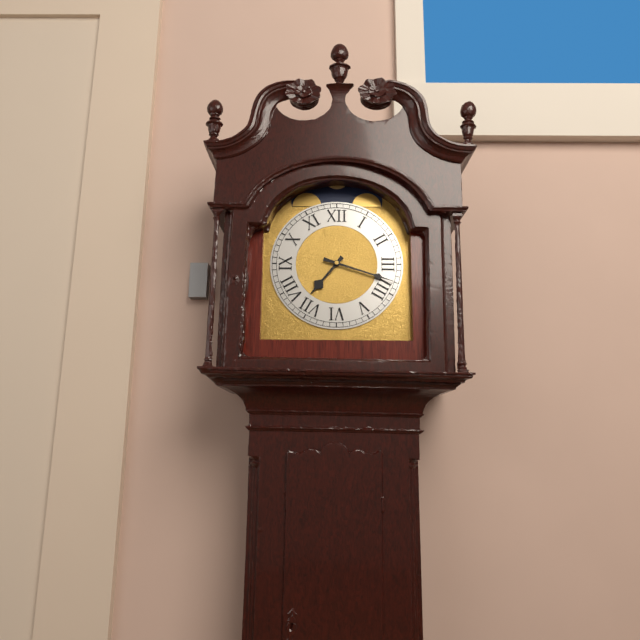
7h18
